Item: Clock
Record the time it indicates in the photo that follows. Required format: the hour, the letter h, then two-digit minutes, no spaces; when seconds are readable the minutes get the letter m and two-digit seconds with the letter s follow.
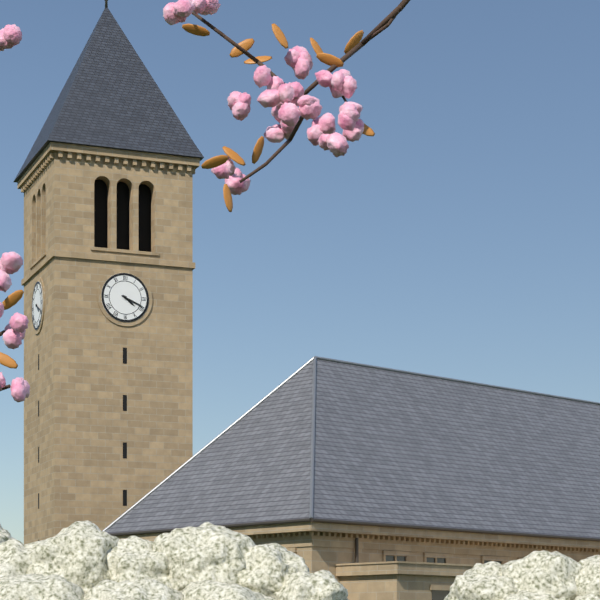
4h19
